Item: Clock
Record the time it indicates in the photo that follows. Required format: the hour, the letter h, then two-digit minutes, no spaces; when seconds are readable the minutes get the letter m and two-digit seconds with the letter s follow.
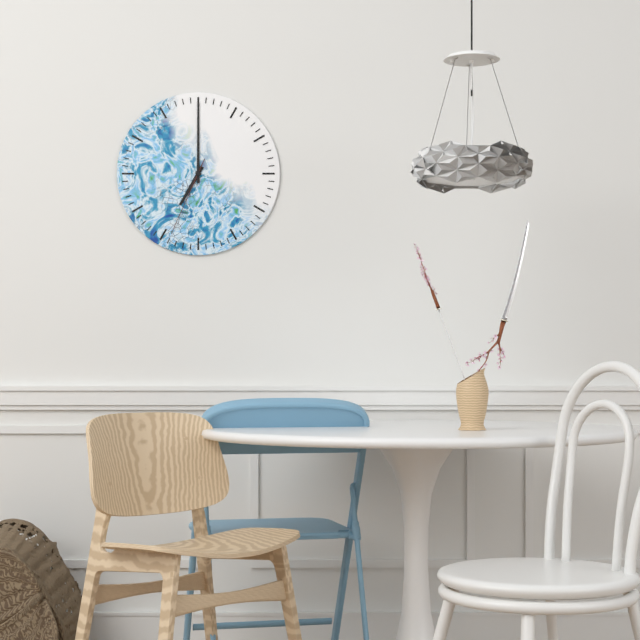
7h00m34s
